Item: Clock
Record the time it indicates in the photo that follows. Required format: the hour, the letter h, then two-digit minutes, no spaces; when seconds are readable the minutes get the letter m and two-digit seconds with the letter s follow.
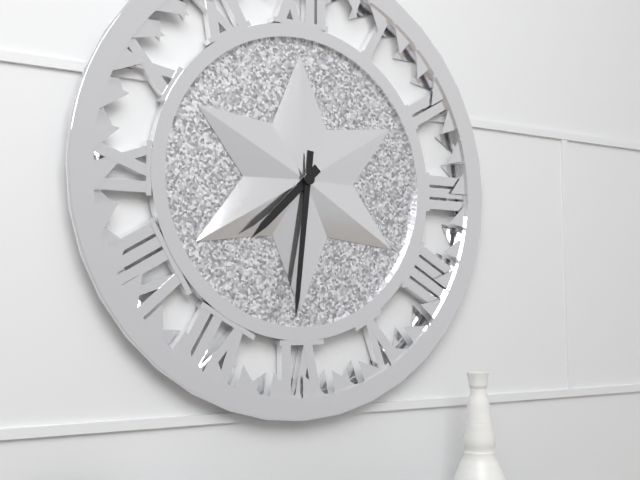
7h31
